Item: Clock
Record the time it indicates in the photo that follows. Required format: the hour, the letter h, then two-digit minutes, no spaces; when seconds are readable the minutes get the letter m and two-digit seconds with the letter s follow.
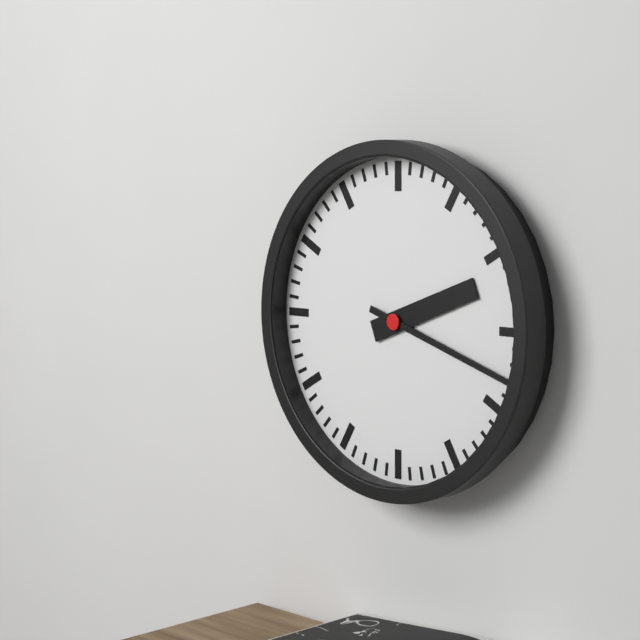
2h18
